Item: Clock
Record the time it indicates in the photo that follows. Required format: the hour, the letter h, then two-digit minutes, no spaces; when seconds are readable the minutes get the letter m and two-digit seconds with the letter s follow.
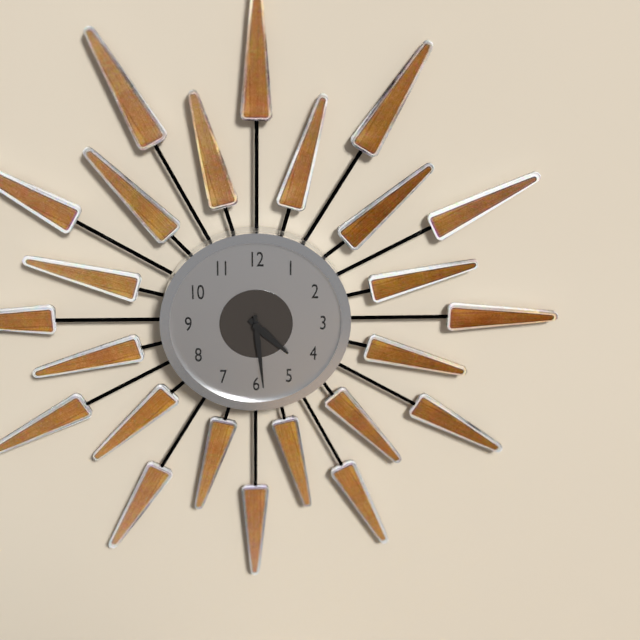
4h29
